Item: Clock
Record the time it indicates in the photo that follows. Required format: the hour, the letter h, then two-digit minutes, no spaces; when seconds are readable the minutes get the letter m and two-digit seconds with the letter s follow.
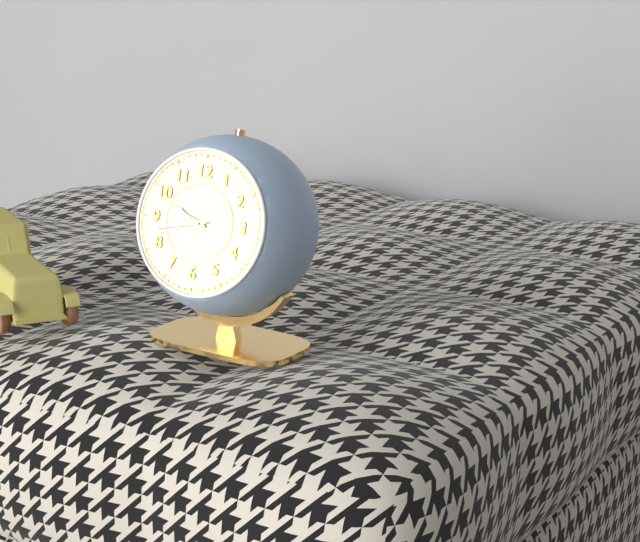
9h43m43s
